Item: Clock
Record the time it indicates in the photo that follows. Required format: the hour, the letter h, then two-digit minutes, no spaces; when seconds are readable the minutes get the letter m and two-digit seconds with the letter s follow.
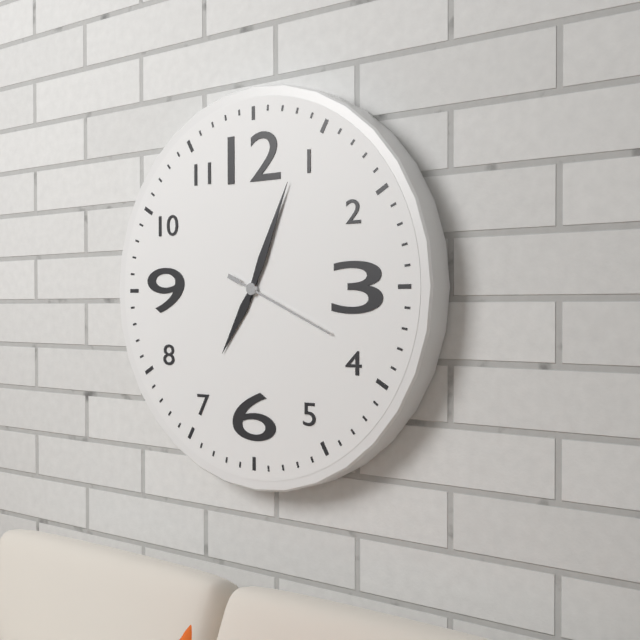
7h04m19s
